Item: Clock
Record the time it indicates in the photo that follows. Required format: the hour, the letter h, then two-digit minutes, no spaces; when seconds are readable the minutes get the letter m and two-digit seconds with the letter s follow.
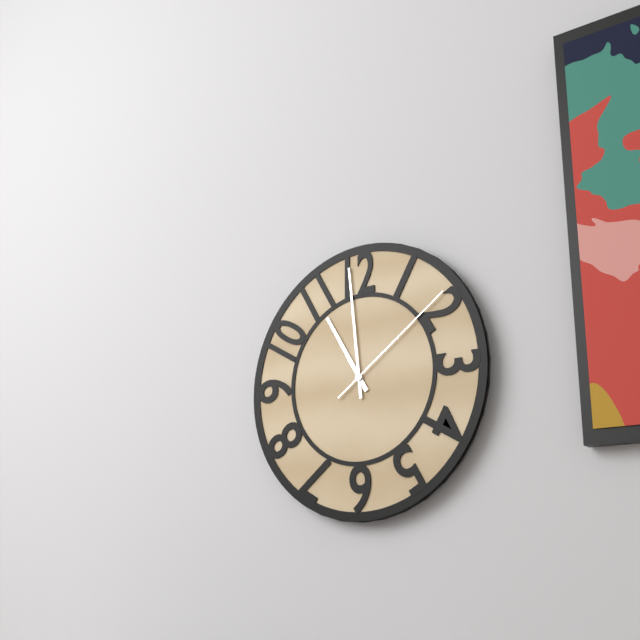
10h59m09s
